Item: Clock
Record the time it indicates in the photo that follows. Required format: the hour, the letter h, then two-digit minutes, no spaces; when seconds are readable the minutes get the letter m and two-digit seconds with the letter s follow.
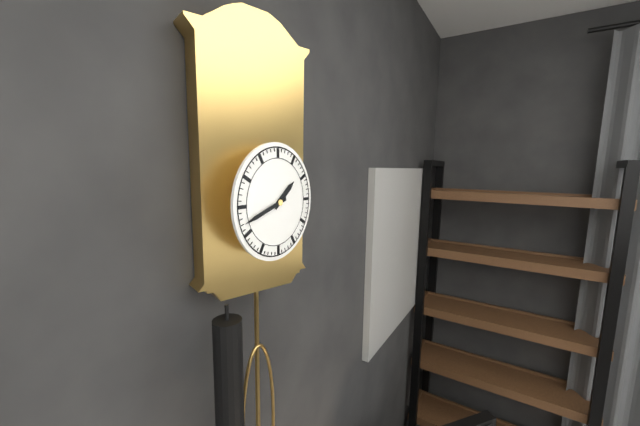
1h42
